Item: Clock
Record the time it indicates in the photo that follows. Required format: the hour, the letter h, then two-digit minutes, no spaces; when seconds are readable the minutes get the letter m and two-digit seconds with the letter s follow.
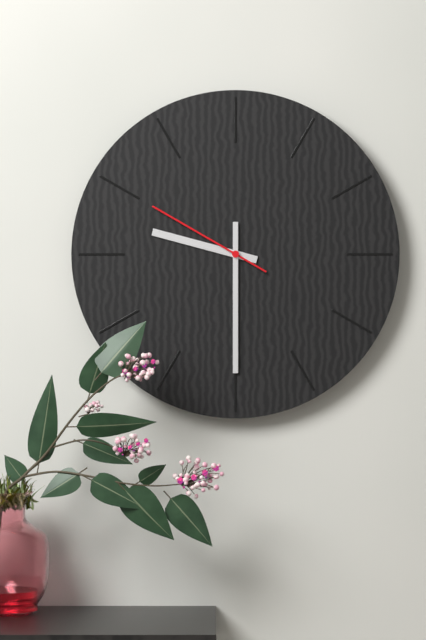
9h30m50s
